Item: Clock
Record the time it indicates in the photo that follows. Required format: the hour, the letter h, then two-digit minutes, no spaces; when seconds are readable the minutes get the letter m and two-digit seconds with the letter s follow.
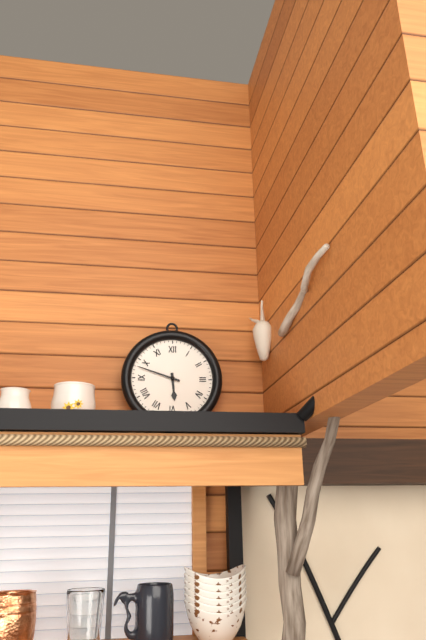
5h48
